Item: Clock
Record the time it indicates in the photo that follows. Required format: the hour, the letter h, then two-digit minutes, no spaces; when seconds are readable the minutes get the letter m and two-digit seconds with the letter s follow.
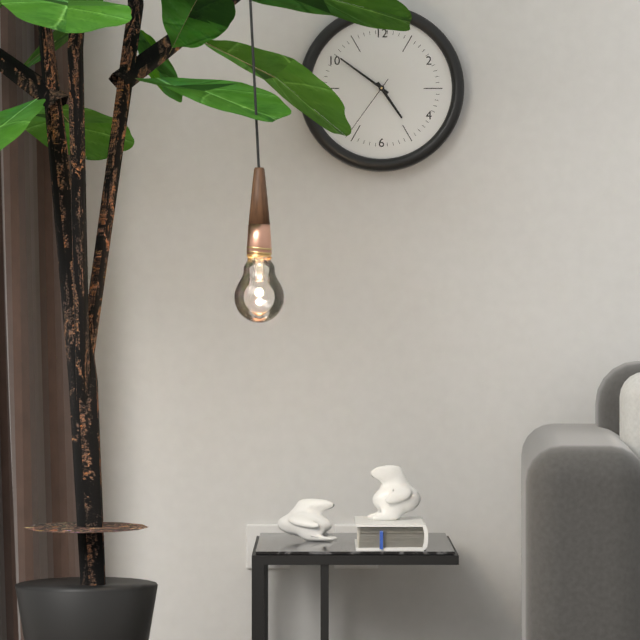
4h51m36s
